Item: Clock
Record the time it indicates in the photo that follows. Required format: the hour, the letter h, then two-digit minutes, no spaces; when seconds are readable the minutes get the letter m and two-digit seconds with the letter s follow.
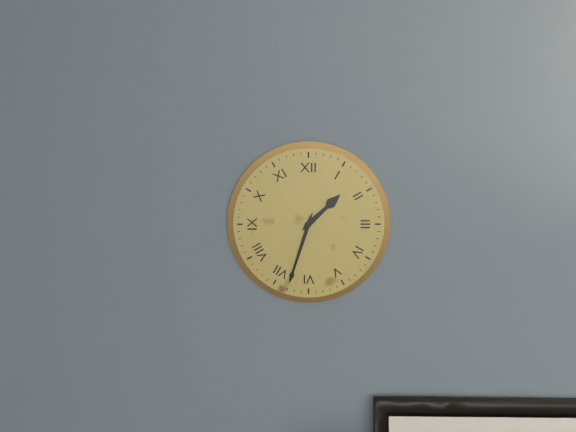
1h33
